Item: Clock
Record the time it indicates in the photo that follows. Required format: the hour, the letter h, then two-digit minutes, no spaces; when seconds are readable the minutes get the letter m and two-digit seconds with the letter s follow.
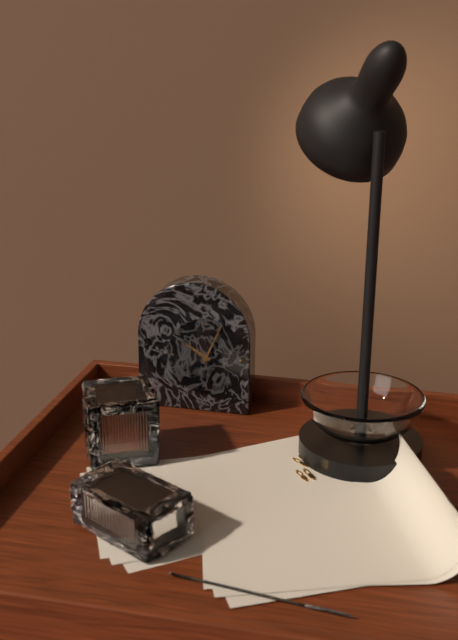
10h04
